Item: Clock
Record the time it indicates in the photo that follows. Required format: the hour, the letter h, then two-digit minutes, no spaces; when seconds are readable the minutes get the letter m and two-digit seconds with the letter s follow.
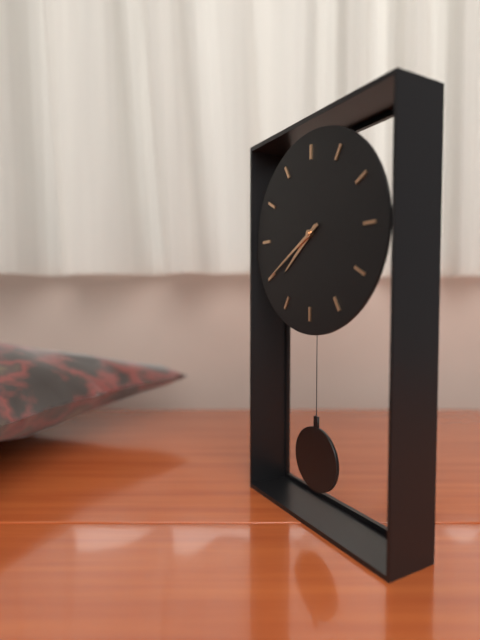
7h40
